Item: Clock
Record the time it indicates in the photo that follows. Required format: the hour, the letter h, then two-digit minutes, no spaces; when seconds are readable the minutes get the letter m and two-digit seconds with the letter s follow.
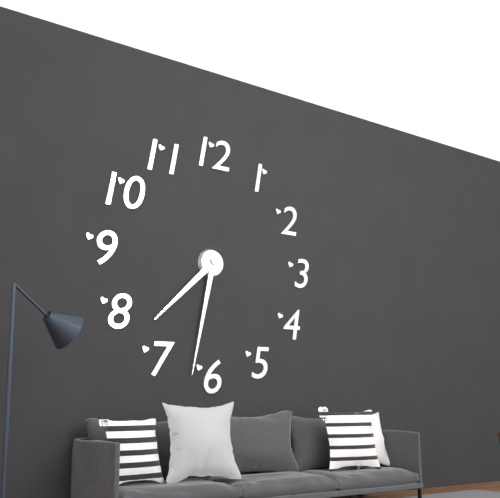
7h32
